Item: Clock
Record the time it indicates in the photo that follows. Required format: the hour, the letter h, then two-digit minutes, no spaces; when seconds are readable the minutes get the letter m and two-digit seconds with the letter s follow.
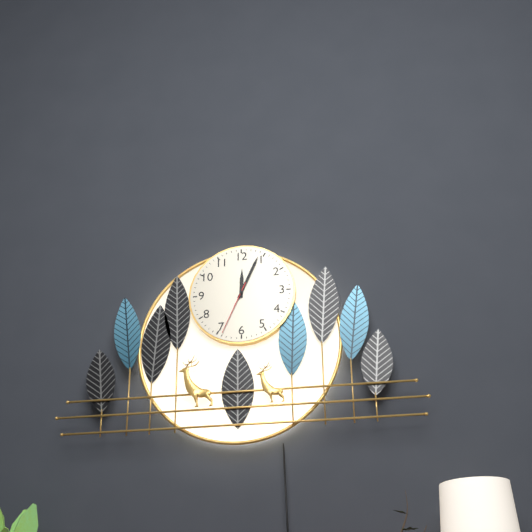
12h04m34s
